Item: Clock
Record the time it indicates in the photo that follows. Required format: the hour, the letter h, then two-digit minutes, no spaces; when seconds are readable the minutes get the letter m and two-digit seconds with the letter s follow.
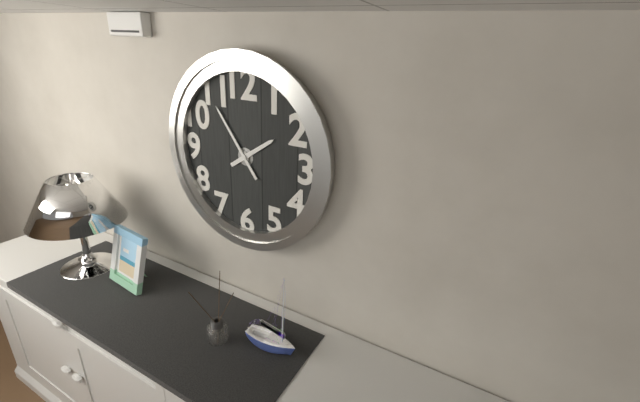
1h54
